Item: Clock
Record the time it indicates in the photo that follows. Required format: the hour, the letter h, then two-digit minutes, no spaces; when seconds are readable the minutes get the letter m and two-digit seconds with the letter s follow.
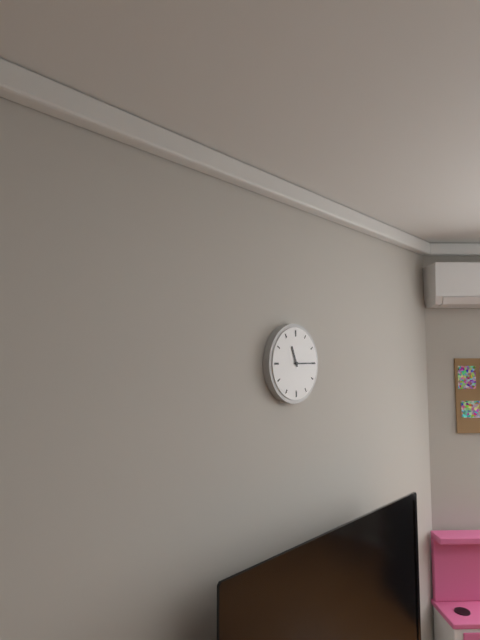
11h15
